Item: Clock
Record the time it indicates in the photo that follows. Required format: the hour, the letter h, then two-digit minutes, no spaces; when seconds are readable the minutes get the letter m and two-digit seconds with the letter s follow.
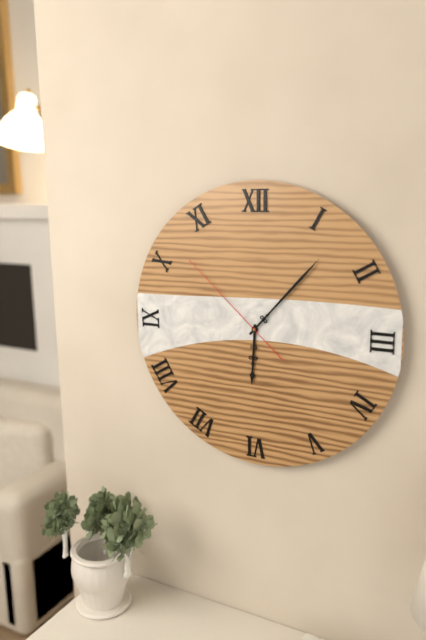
6h07m52s
